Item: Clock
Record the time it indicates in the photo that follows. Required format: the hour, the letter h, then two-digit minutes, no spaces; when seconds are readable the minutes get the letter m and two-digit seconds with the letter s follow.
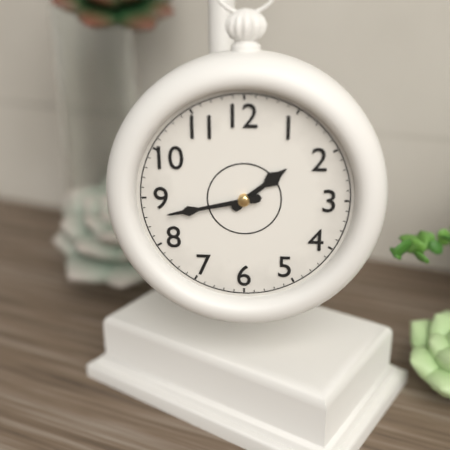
1h43
